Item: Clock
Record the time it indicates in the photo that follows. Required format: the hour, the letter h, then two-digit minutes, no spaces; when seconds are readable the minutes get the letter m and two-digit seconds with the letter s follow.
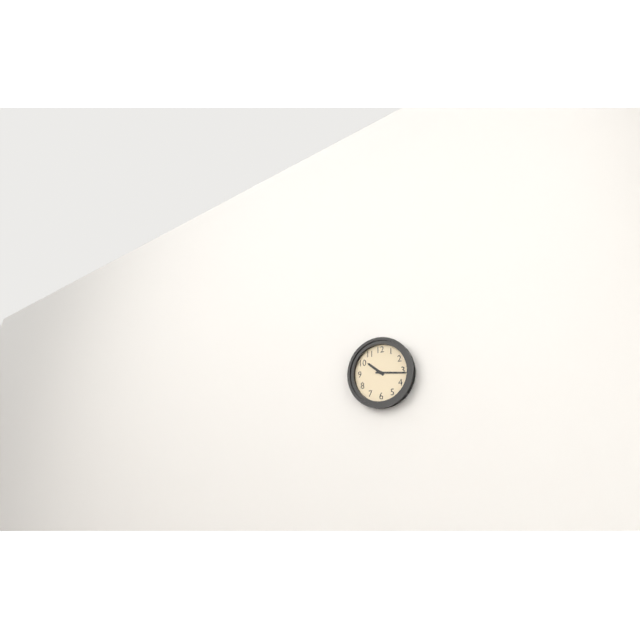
10h16
